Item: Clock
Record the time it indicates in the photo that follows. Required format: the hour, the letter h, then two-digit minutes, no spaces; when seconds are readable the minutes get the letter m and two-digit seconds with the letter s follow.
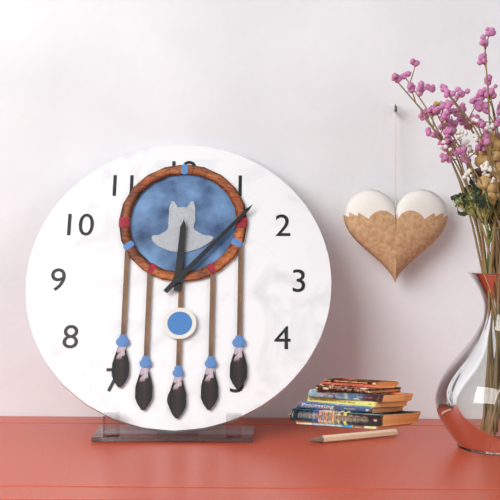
12h07
